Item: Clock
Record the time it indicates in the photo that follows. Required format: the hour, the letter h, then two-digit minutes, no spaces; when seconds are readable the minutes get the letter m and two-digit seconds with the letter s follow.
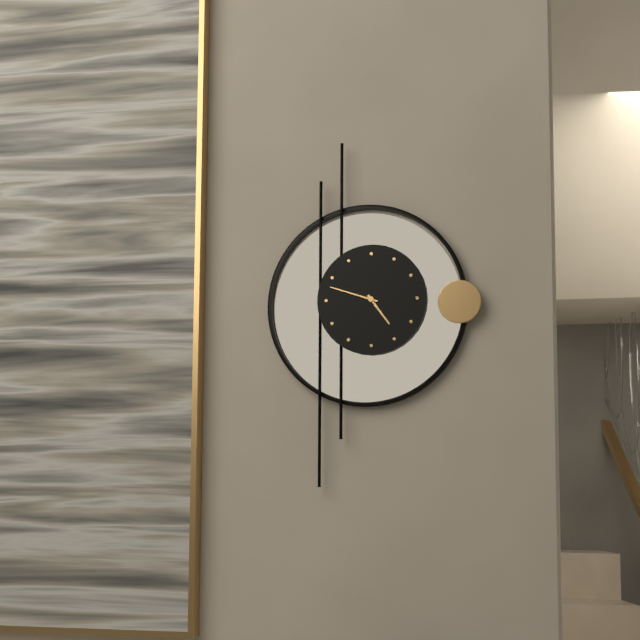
4h48
